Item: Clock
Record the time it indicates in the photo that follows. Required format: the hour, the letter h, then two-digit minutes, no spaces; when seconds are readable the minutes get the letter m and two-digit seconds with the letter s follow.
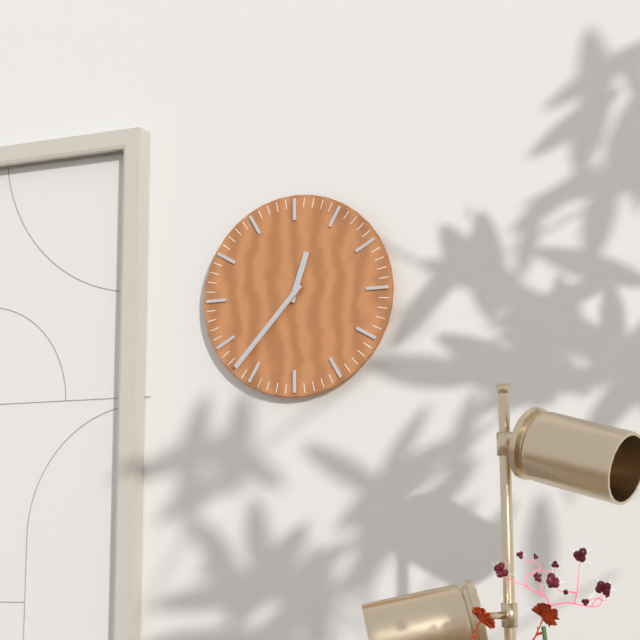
12h37
